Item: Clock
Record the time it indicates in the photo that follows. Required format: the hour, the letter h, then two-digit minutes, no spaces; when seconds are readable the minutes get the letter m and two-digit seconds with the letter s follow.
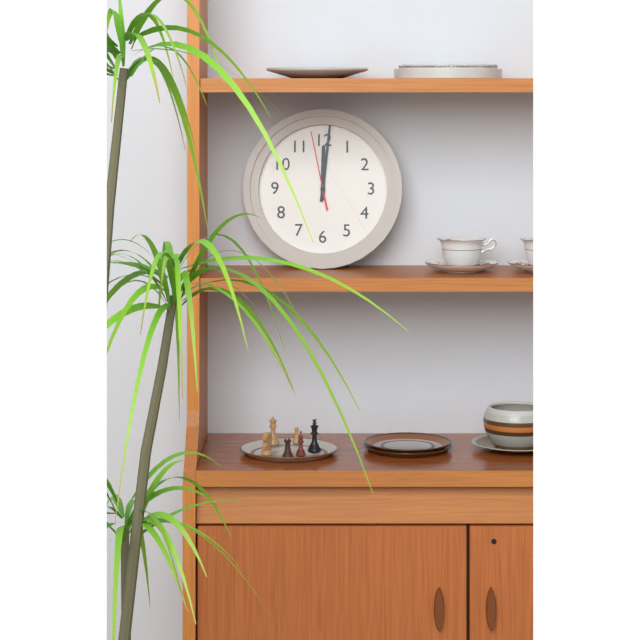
12h01m58s
